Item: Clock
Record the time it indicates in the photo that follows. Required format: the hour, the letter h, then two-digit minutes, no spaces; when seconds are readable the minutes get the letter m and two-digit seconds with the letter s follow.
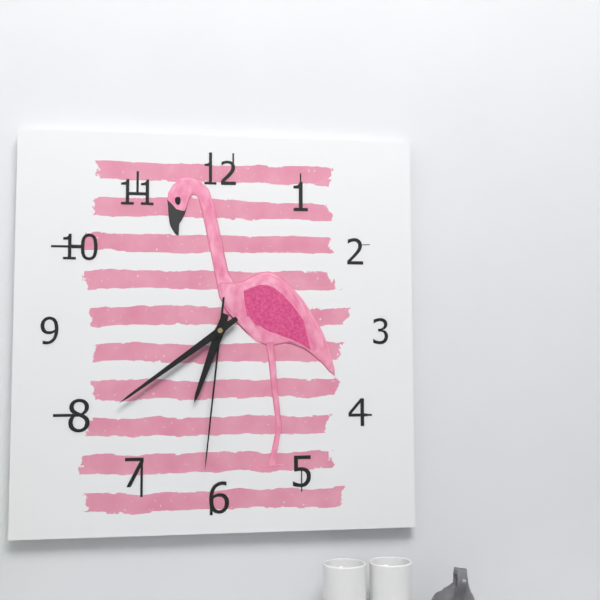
6h39m31s
